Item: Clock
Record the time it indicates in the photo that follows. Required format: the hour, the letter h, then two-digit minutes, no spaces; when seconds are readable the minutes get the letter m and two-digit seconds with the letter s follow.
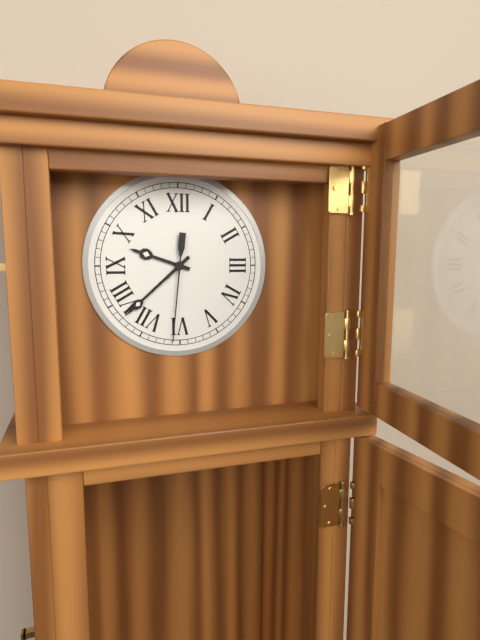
9h38m31s
